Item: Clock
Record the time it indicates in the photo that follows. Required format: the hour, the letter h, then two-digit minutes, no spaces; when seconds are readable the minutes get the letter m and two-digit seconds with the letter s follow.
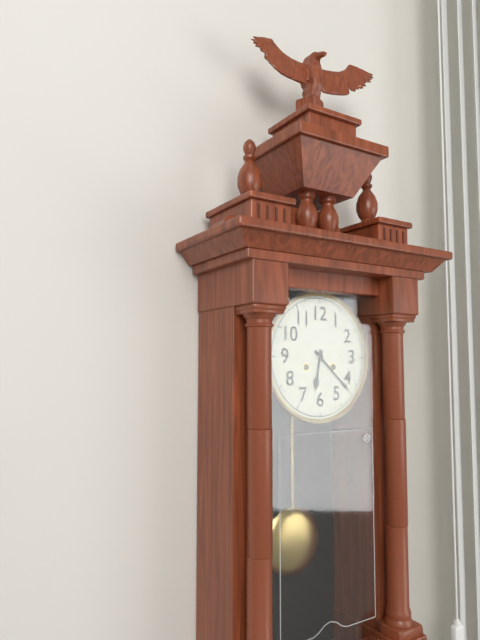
6h22
